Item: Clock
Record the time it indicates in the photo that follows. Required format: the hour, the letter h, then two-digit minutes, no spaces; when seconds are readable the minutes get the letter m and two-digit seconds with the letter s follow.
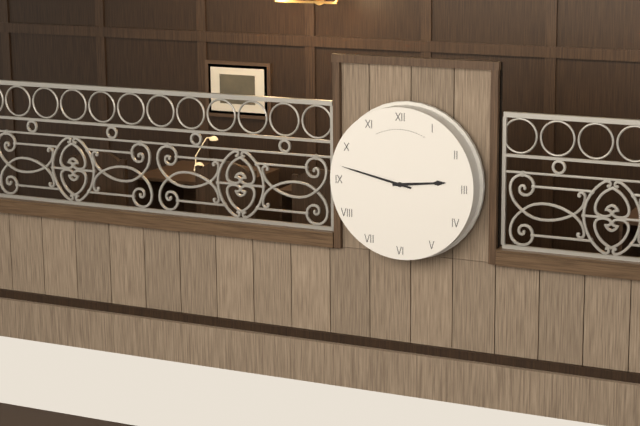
2h47
